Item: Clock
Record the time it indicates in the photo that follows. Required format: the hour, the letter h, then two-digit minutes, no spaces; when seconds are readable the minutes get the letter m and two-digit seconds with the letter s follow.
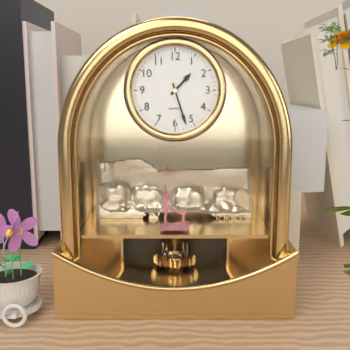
1h27
